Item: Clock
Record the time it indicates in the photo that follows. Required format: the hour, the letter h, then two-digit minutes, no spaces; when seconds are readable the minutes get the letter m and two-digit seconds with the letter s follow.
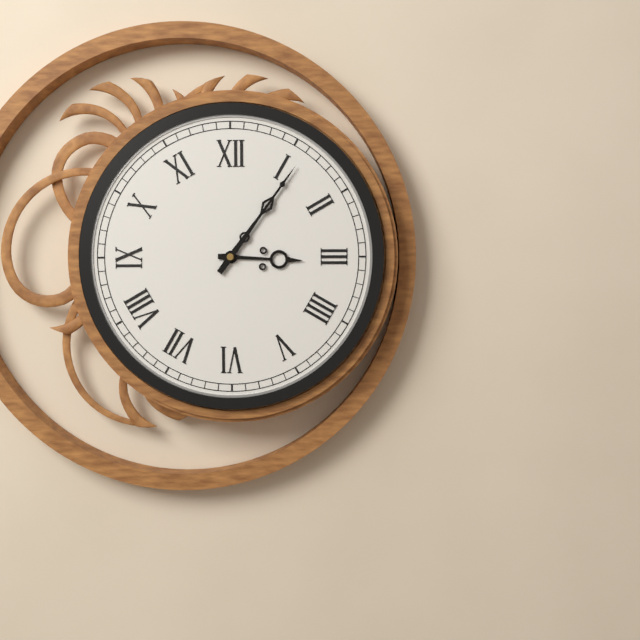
3h06
